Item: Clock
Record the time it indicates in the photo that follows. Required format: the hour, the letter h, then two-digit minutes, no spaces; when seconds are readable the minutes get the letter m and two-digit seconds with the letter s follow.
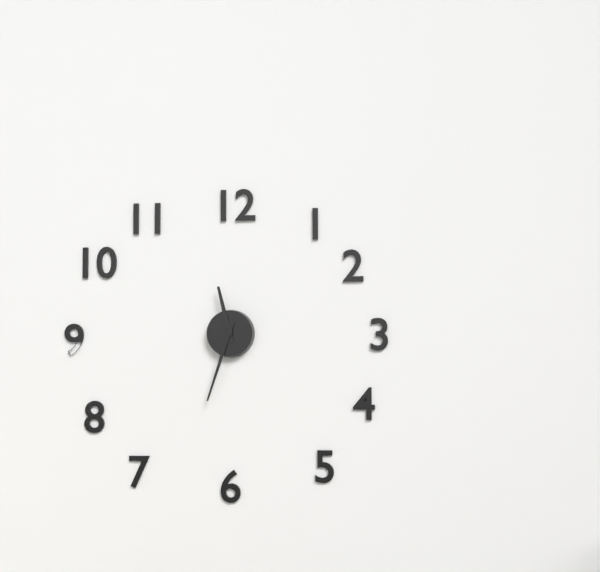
11h33
